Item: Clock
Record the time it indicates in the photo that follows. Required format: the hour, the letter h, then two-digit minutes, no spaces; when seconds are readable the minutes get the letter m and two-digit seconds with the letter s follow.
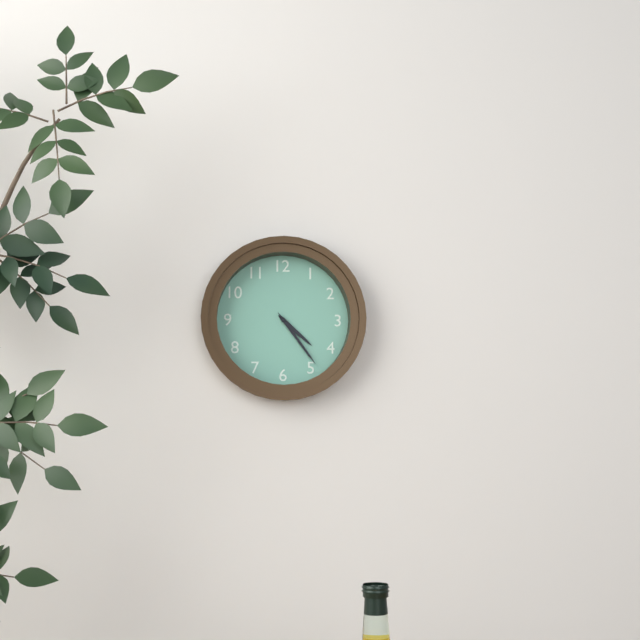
4h24
